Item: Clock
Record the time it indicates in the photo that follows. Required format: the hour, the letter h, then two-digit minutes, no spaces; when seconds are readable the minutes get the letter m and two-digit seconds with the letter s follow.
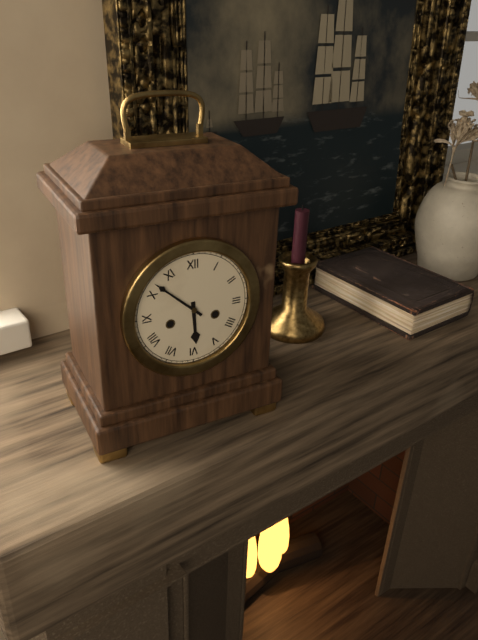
5h52
